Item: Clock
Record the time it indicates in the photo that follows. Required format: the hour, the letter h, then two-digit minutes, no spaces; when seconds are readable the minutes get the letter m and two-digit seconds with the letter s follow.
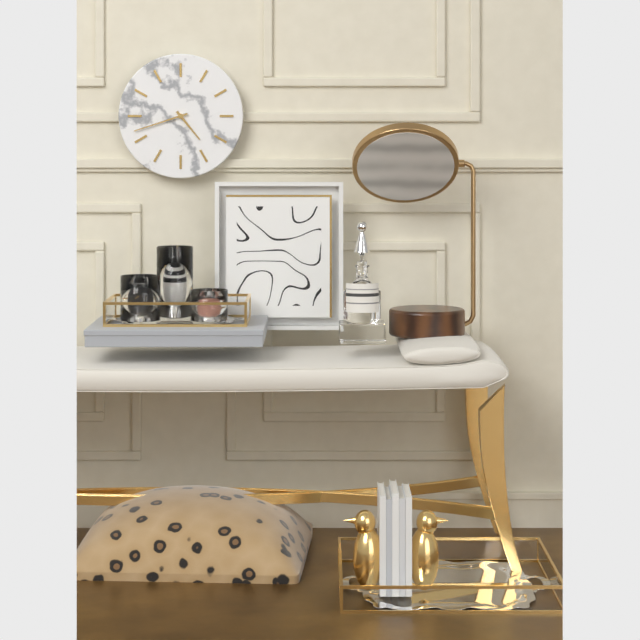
4h42
